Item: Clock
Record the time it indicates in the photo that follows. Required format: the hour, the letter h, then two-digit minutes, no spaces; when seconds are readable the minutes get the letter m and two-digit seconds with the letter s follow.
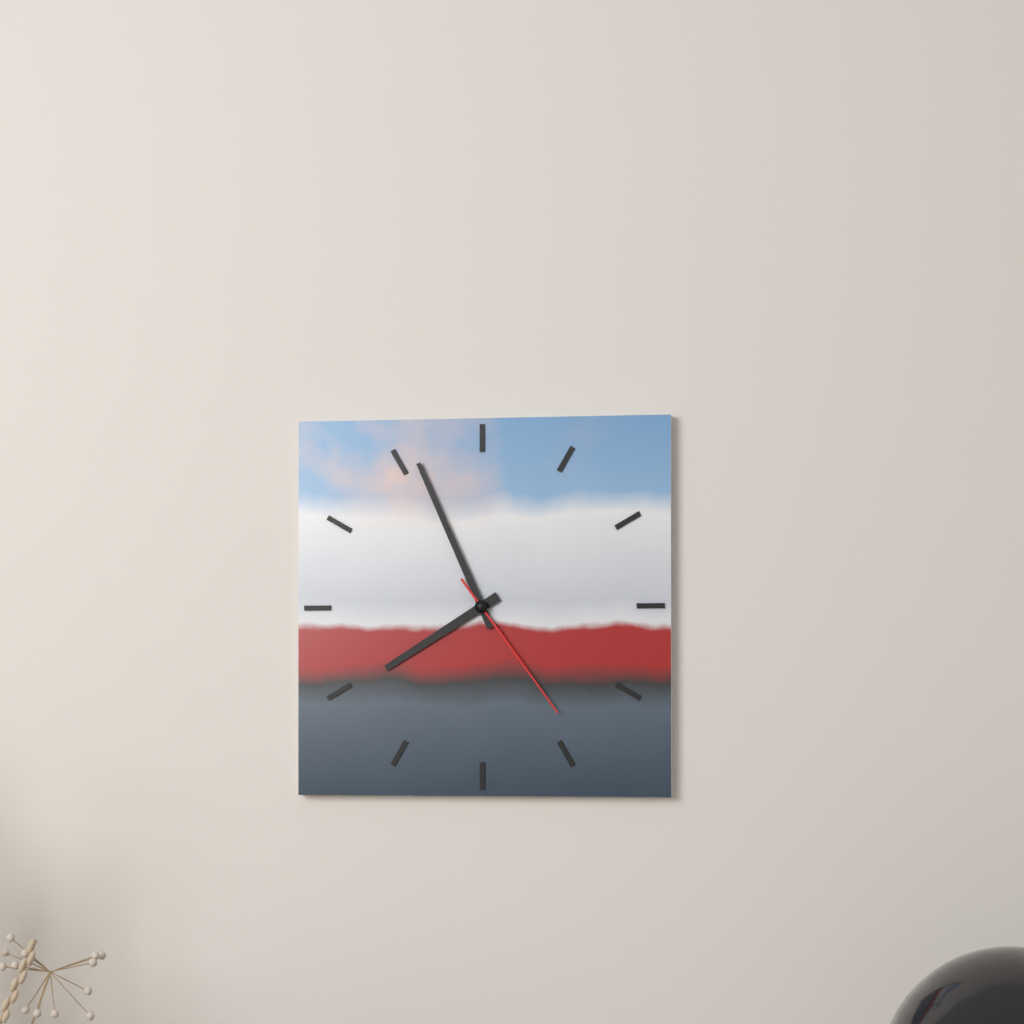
7h56m24s
